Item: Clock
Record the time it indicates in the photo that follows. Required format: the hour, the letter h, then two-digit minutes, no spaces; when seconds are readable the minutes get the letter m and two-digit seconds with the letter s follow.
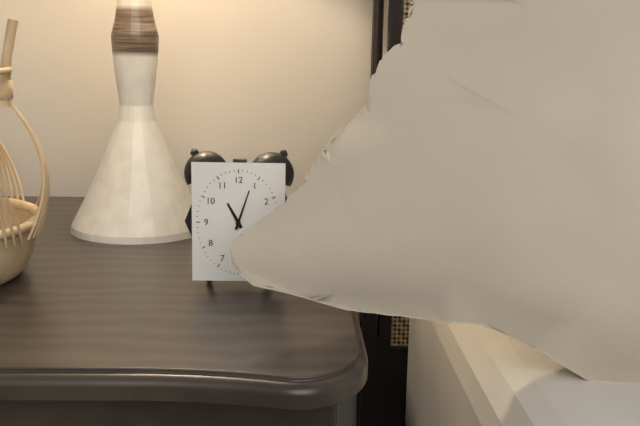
11h03
